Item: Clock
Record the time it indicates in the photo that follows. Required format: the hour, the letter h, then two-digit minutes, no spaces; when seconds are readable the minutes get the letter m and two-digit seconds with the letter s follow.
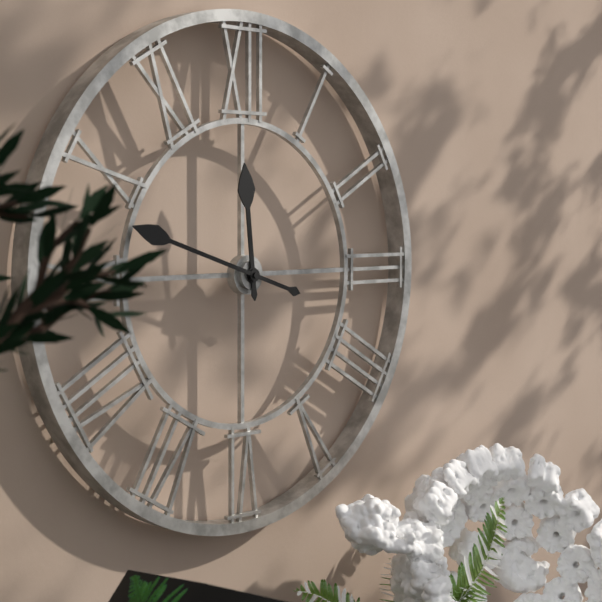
11h48
